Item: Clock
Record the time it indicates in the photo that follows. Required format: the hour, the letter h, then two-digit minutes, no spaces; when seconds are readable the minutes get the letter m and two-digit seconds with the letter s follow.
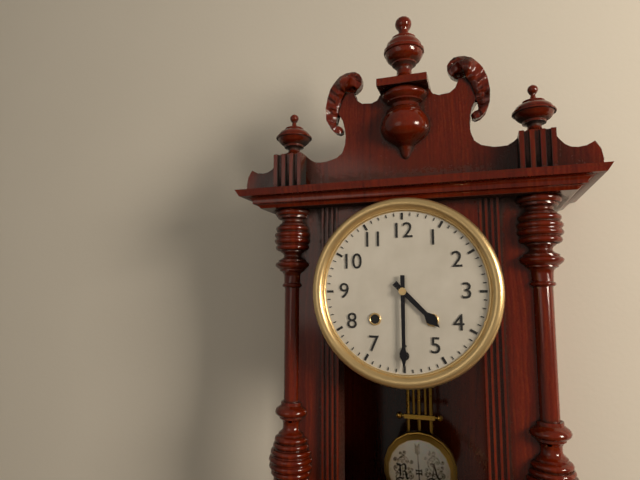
4h30
